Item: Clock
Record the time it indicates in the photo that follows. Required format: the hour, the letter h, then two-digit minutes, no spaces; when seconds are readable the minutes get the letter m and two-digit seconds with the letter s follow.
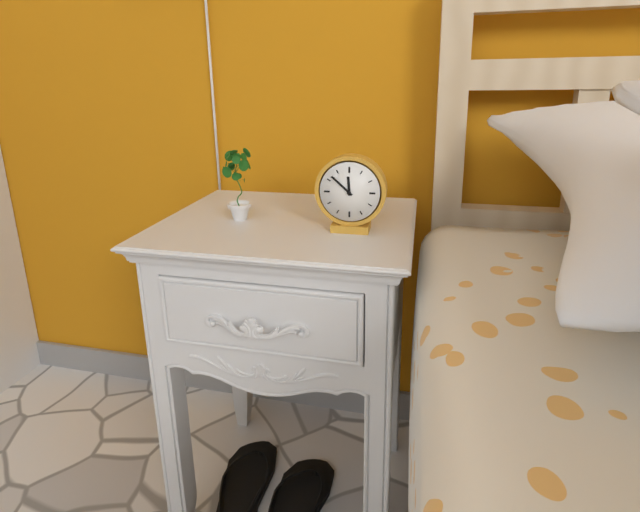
11h52
